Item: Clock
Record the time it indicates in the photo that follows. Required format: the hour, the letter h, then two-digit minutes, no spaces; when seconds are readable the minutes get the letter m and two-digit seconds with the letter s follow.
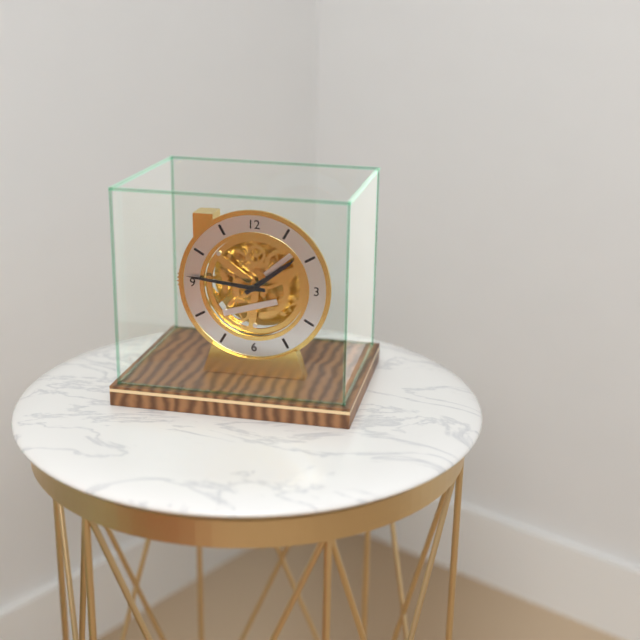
1h46
